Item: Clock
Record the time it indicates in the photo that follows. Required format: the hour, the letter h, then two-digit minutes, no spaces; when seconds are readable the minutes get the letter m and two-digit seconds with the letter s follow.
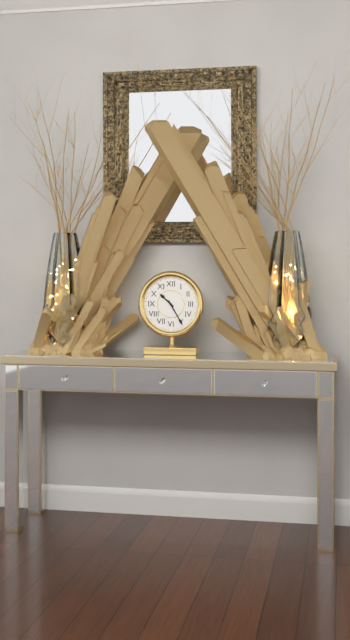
10h25
